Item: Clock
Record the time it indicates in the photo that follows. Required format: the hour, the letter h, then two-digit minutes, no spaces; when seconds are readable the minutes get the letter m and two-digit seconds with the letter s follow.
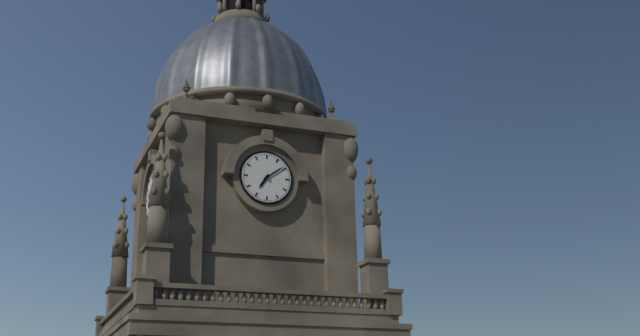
7h09
